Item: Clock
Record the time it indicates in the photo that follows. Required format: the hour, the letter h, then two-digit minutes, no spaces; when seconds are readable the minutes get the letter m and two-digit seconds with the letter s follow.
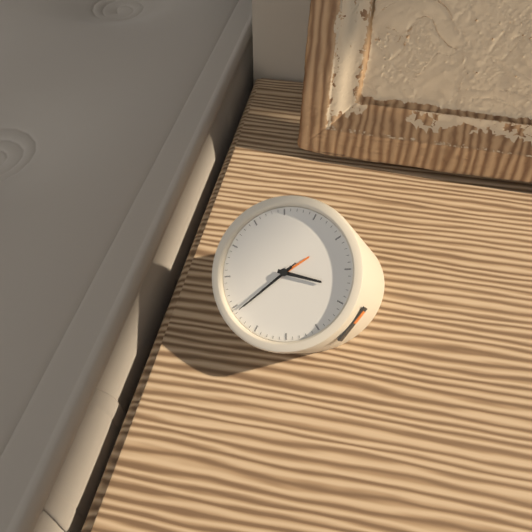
2h34m34s
